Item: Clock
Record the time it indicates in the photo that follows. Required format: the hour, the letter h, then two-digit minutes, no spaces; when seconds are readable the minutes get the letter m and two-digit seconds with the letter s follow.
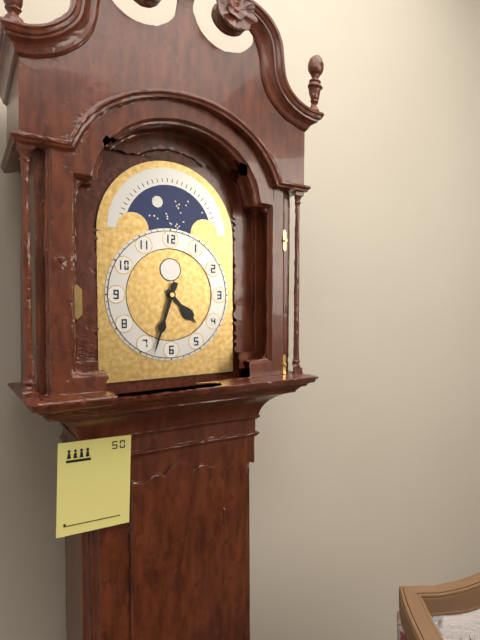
4h33
